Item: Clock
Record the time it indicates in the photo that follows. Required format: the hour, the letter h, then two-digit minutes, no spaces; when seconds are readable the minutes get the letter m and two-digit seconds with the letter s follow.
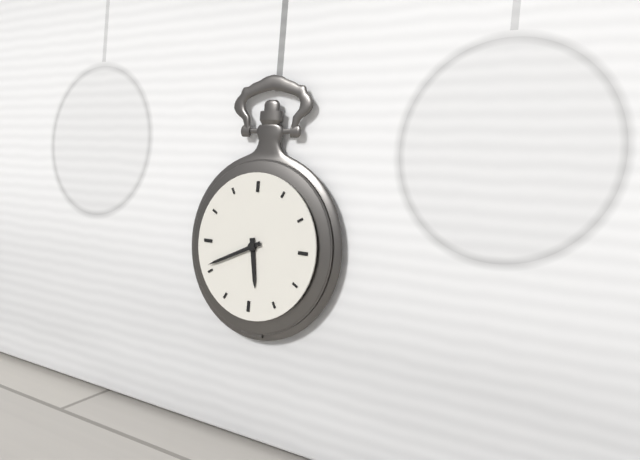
5h41
